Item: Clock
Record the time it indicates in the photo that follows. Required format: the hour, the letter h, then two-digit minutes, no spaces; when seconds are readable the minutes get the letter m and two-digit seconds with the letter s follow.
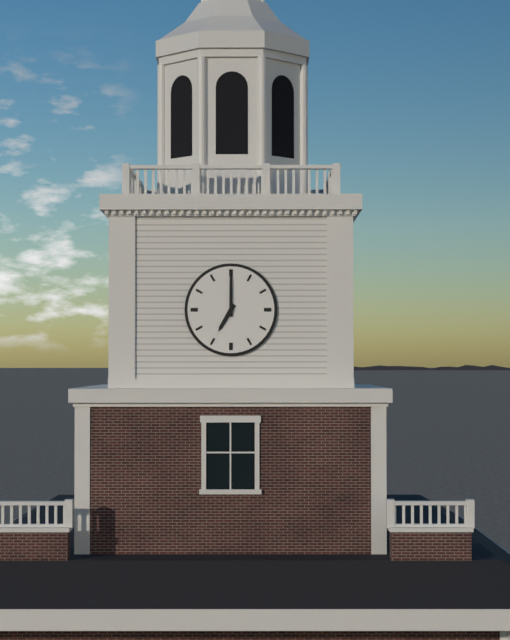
7h00
